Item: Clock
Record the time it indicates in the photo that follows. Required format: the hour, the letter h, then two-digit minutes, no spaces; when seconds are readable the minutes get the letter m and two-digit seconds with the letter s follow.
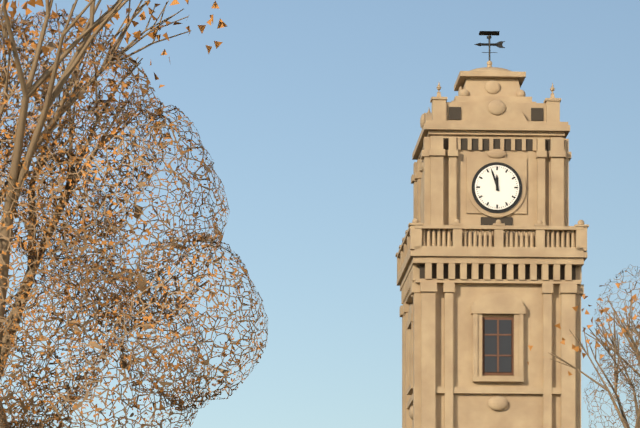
11h57
